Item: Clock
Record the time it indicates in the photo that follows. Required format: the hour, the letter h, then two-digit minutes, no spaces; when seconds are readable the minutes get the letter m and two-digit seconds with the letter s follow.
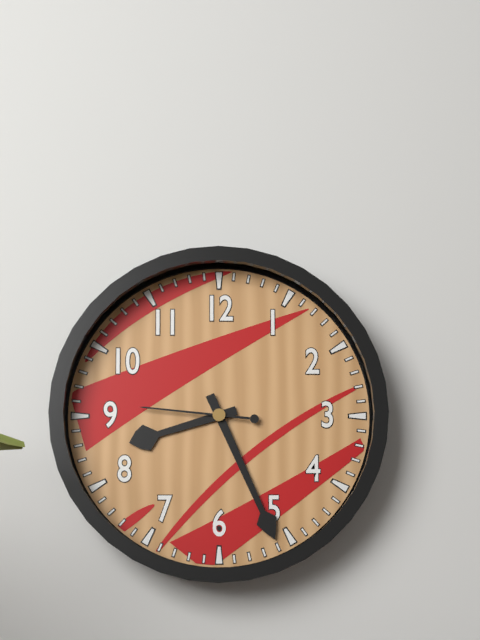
8h26m46s
